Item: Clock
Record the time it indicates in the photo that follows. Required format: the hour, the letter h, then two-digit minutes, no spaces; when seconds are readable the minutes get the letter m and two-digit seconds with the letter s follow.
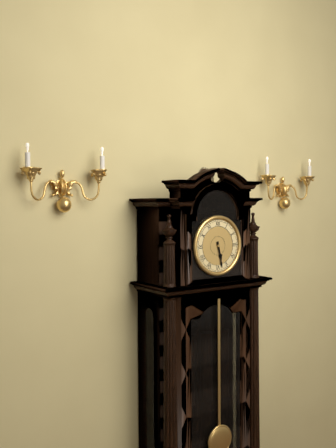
5h28
